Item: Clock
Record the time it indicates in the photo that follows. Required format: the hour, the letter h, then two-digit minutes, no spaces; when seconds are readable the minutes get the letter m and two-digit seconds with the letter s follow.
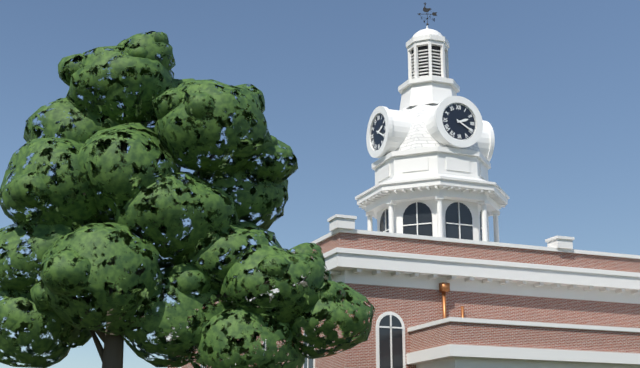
2h20
